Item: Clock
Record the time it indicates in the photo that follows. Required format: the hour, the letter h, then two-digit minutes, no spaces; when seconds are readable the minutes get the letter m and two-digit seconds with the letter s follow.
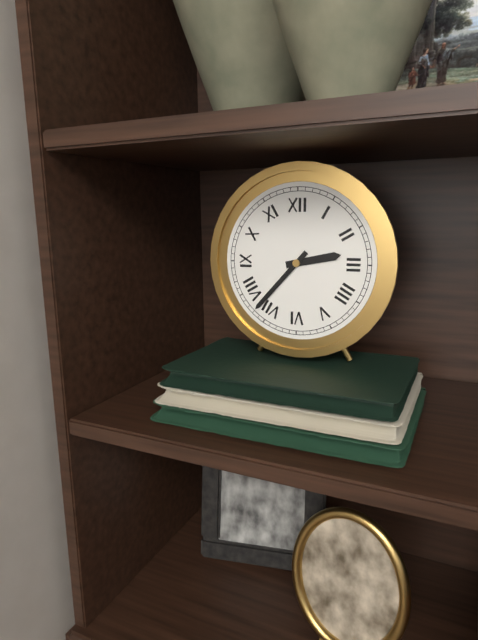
2h37
